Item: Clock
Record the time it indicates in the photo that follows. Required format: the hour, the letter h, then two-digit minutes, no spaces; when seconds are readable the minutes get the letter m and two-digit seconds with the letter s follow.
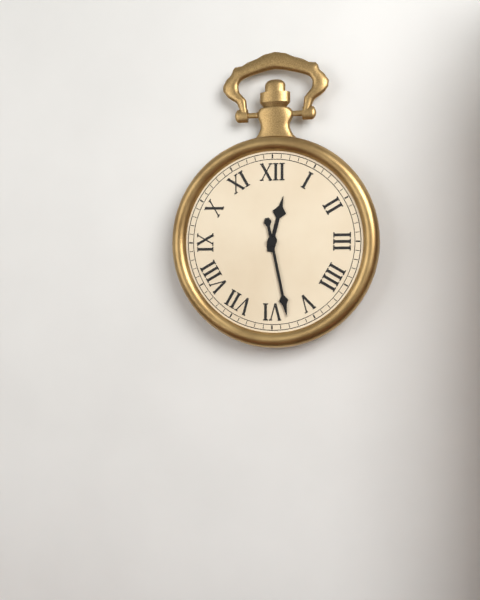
12h28
